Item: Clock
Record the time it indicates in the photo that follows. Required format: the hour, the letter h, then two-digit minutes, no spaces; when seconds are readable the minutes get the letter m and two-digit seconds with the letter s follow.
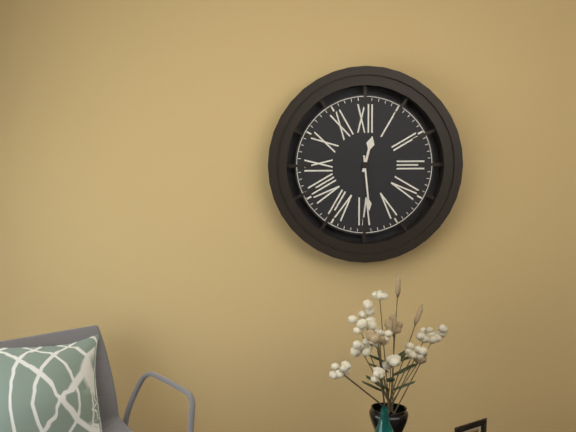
12h29
